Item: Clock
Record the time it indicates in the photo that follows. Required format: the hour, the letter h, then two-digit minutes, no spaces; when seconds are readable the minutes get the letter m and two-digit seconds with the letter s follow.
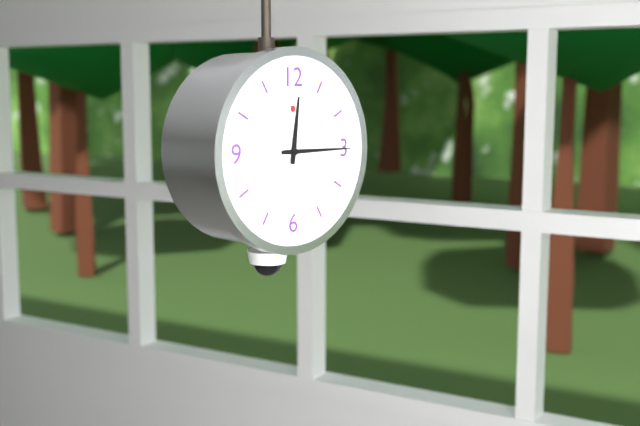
12h15
